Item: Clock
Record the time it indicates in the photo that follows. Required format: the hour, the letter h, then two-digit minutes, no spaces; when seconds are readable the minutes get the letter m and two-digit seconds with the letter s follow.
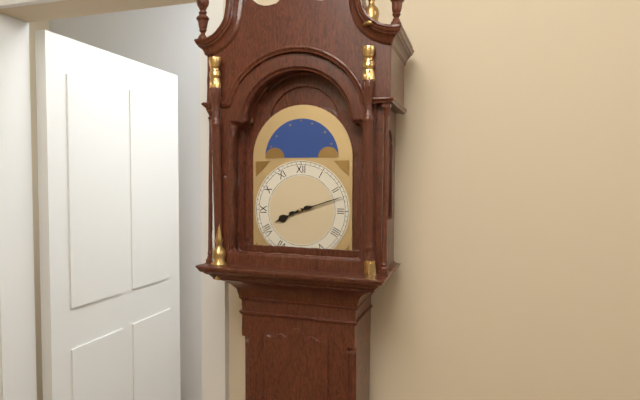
8h12
